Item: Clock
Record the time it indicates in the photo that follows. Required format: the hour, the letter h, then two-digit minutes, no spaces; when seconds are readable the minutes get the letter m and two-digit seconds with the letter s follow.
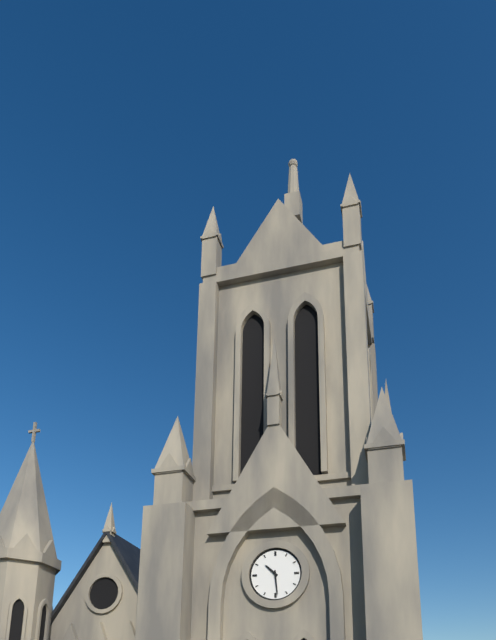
10h29
